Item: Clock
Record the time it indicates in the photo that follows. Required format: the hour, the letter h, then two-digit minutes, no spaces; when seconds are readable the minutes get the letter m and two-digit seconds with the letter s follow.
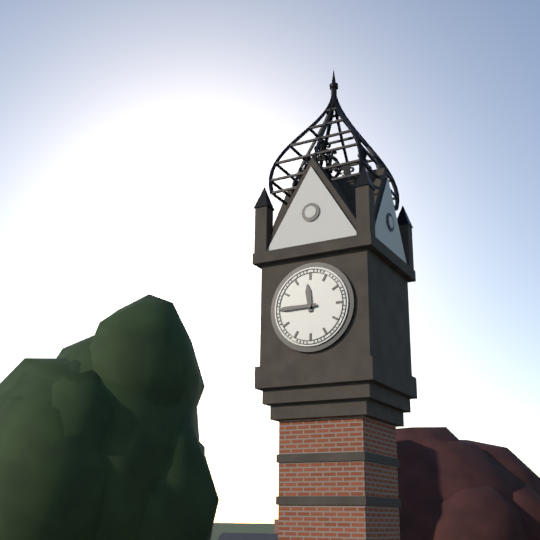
11h45
